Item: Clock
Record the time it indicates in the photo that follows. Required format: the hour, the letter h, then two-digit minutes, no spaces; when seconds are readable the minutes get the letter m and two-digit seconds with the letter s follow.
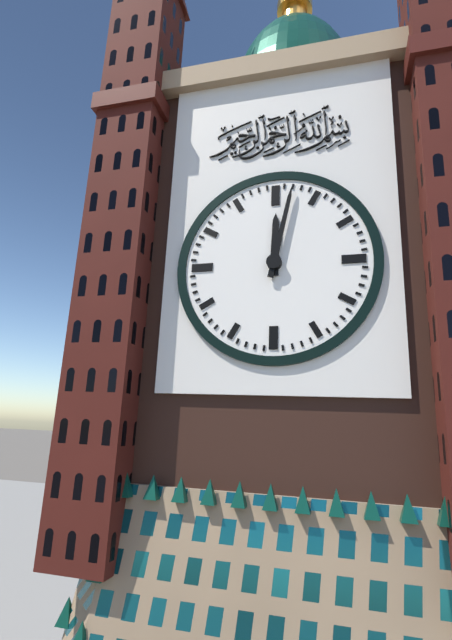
12h02
